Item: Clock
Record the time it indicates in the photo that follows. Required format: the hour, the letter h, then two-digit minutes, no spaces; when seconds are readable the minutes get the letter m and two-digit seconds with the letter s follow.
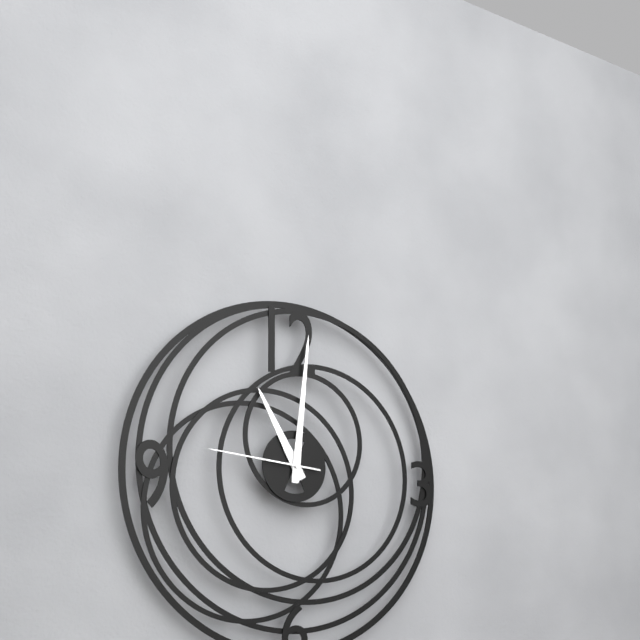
11h01m46s
